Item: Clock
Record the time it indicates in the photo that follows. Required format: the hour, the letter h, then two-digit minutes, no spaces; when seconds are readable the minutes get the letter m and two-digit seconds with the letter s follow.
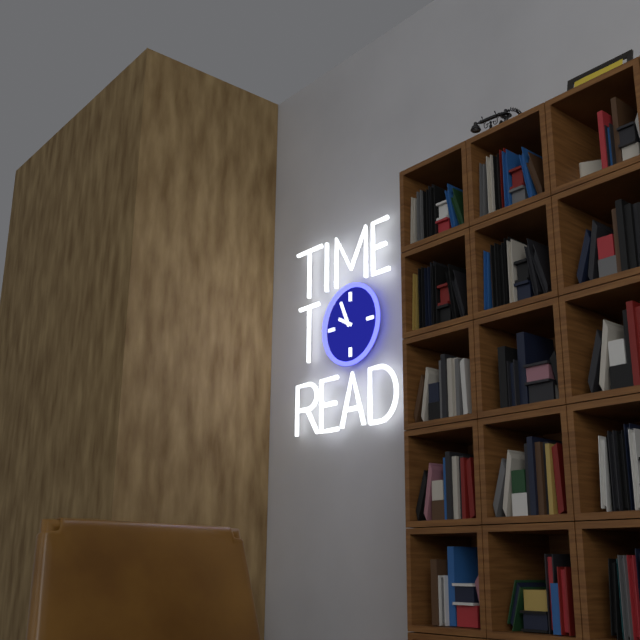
9h56
